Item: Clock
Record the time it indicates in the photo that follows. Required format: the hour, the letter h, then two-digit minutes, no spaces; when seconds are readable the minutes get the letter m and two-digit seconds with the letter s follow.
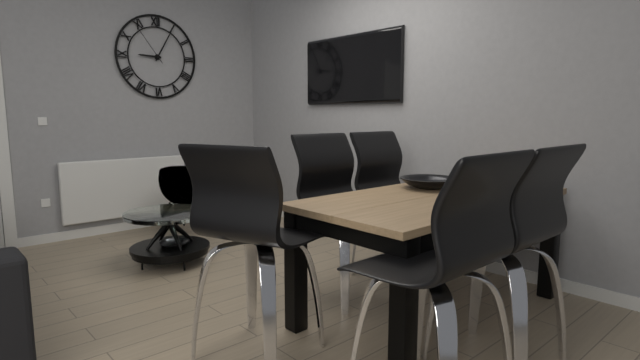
9h05
